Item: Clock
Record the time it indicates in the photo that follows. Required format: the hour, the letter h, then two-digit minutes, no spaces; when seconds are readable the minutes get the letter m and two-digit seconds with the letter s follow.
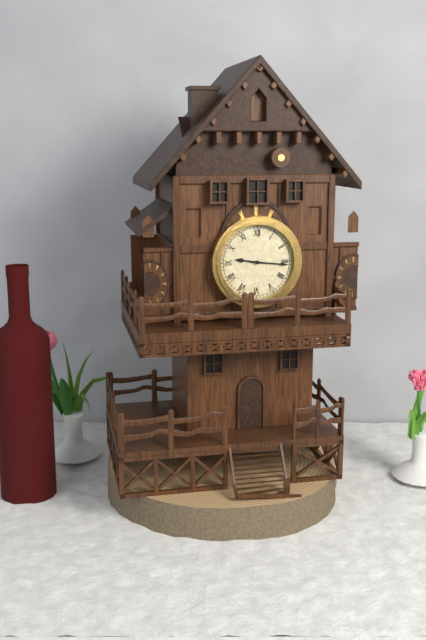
9h16
